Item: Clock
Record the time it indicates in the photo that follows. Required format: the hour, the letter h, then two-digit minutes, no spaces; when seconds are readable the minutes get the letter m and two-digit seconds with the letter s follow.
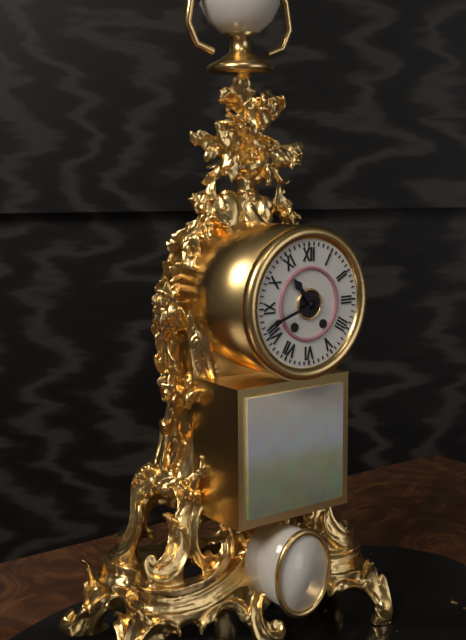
10h42
